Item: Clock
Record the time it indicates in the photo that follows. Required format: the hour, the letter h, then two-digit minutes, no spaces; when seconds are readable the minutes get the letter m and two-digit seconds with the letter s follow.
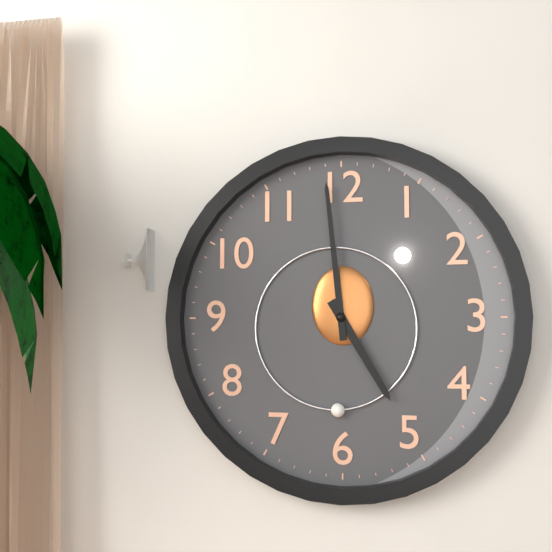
4h59
